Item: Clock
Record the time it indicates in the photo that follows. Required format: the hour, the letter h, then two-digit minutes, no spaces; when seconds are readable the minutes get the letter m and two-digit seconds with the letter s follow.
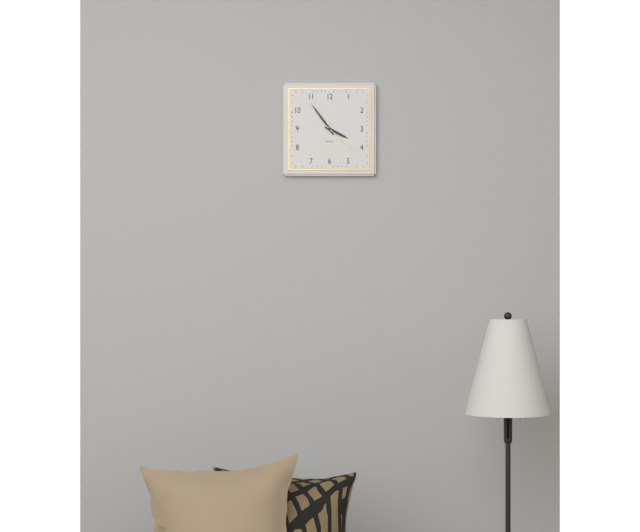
3h54
